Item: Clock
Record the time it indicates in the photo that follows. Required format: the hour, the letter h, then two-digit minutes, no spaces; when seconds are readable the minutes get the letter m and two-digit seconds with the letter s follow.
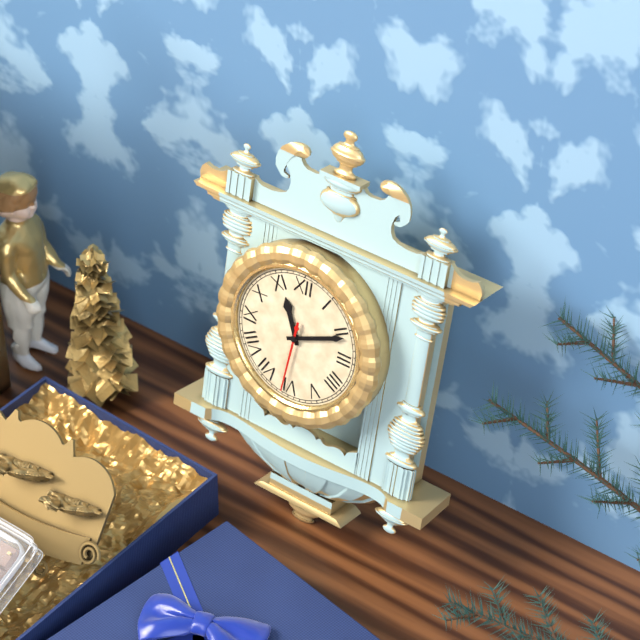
11h11m31s
